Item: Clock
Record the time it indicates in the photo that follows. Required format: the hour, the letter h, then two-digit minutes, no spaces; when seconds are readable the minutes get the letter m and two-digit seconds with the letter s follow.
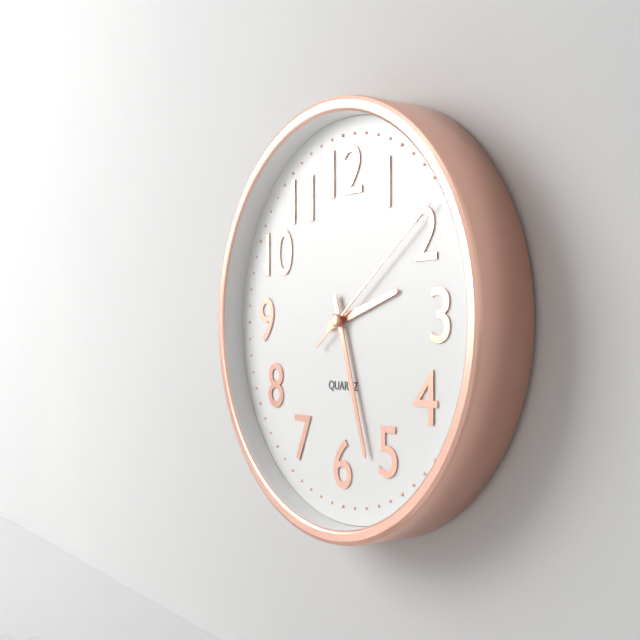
2h27m09s
